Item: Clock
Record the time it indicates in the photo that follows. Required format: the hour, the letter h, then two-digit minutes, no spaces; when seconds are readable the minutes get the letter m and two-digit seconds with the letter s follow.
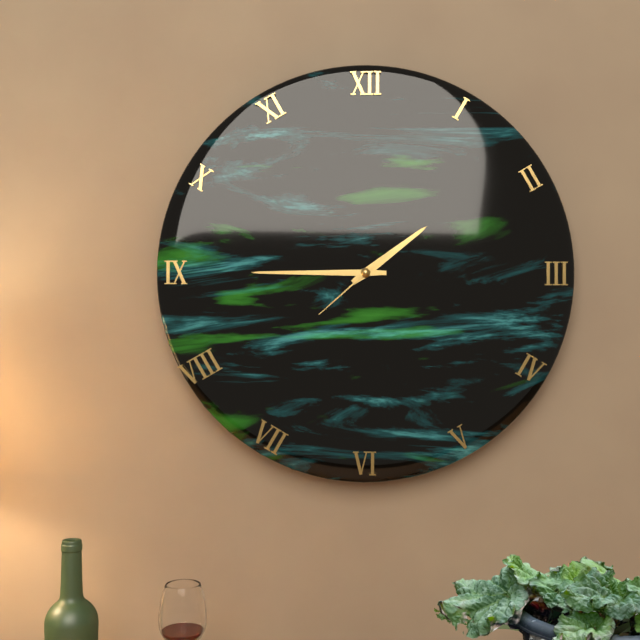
1h45m38s
